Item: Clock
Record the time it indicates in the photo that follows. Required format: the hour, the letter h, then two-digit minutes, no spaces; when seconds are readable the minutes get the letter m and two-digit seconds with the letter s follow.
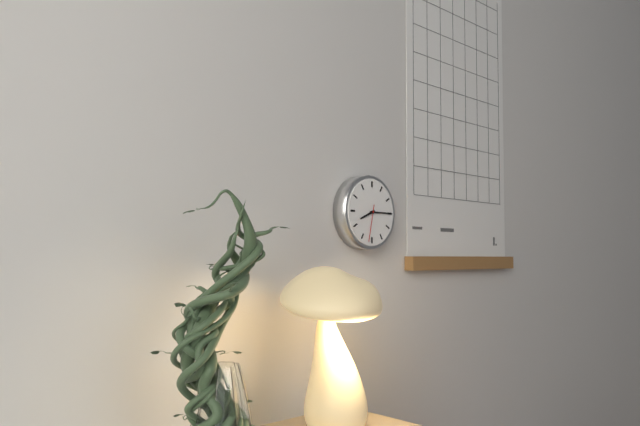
8h15
